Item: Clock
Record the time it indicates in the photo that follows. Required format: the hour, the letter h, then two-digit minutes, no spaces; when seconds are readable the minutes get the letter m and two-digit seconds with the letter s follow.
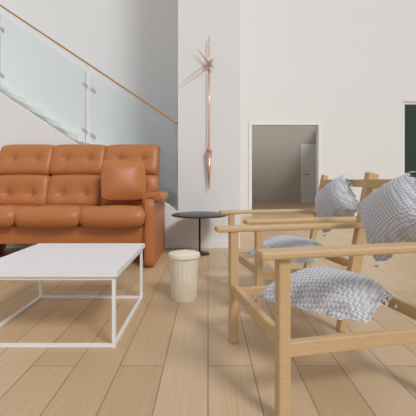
10h39
